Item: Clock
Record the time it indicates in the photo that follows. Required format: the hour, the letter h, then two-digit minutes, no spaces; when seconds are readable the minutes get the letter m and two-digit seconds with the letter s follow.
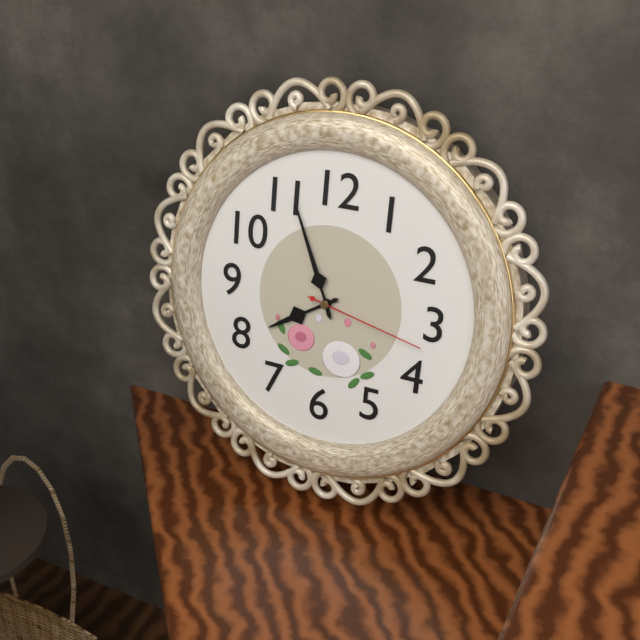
7h56m17s
